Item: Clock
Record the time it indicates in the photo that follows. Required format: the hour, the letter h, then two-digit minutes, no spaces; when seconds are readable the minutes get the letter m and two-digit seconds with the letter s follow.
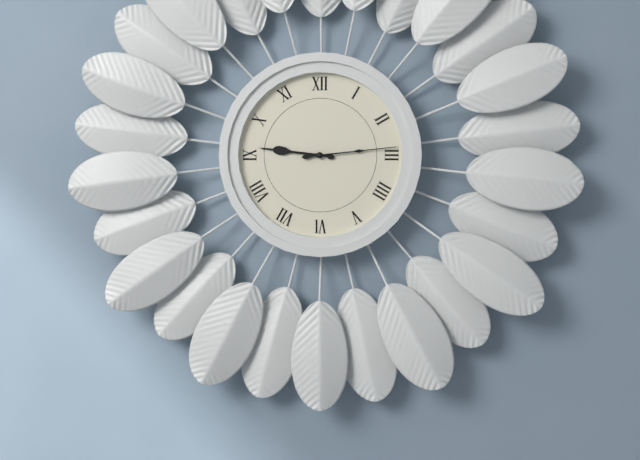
9h14
